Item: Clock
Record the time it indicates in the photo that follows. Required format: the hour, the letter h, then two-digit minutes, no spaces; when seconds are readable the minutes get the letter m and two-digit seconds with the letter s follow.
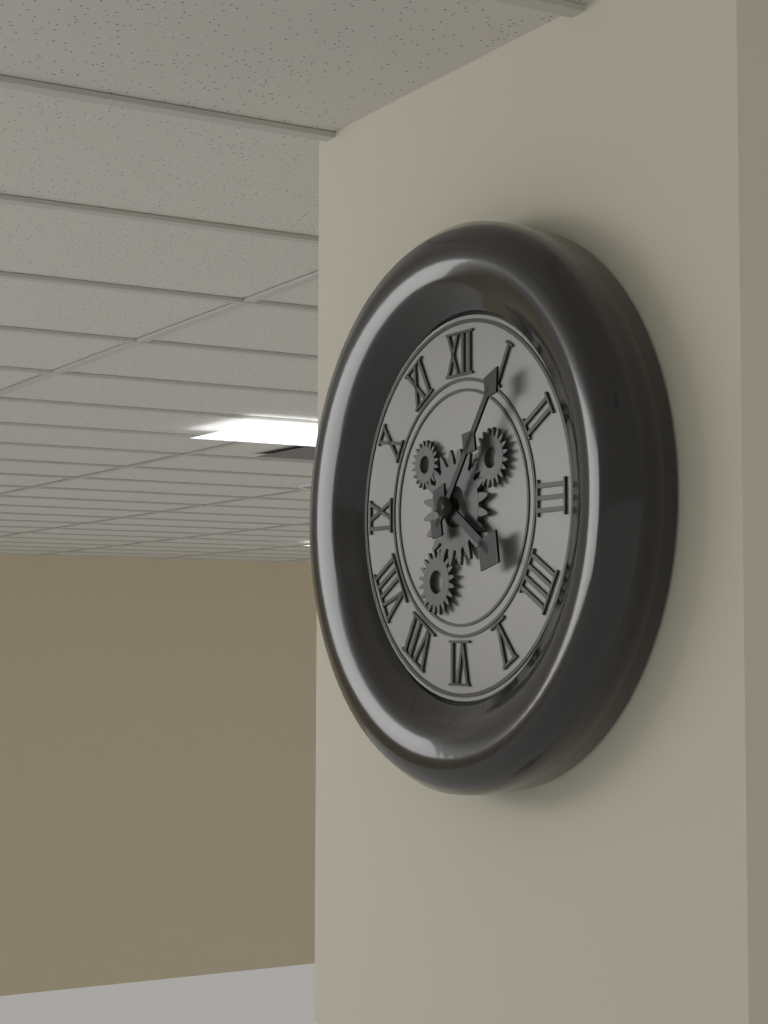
4h06
